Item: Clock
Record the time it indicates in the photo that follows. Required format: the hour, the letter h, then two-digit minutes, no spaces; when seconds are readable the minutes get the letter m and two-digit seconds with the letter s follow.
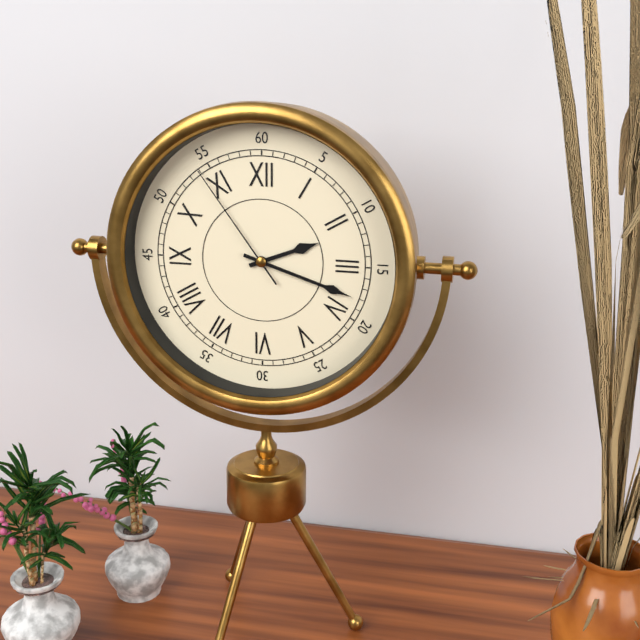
2h18m54s
